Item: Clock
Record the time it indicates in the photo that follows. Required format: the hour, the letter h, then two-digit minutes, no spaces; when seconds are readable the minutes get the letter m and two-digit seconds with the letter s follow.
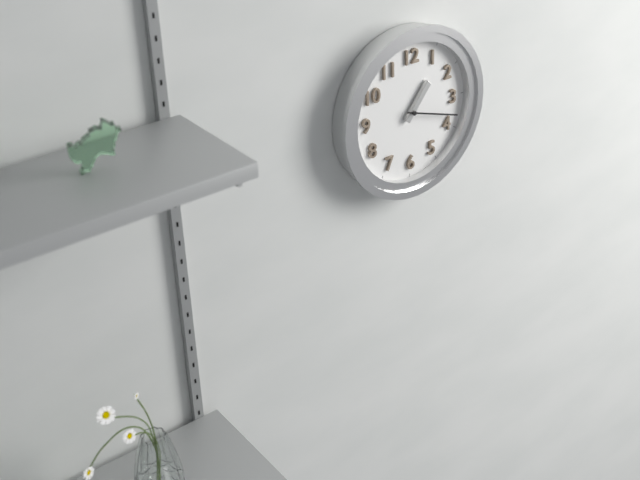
1h18
